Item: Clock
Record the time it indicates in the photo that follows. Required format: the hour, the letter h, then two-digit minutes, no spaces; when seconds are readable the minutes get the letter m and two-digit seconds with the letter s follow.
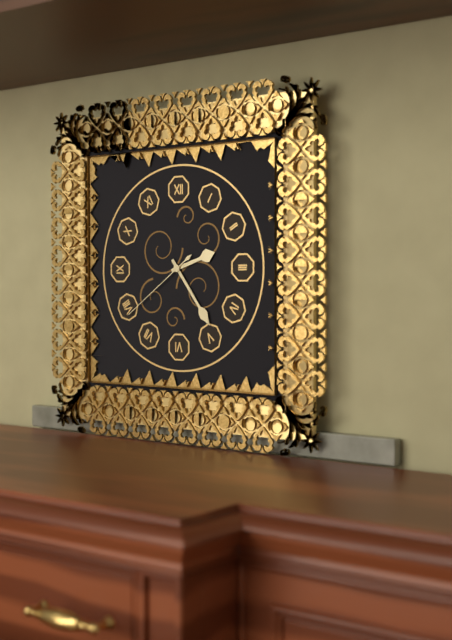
2h24m39s
